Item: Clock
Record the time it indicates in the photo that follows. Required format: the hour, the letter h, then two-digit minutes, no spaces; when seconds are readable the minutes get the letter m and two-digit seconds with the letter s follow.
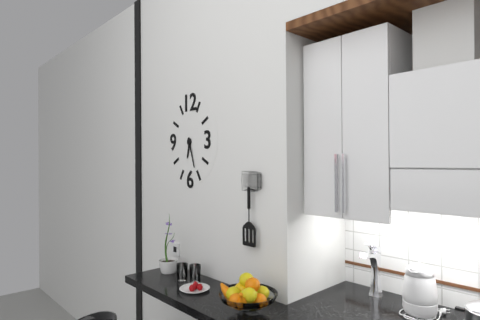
6h27
